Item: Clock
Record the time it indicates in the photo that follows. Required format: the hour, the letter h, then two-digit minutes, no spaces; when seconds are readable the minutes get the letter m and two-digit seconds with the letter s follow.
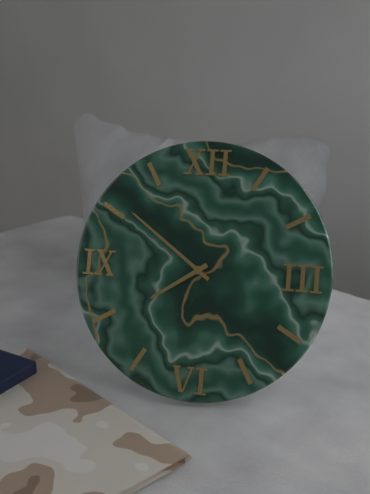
7h51
